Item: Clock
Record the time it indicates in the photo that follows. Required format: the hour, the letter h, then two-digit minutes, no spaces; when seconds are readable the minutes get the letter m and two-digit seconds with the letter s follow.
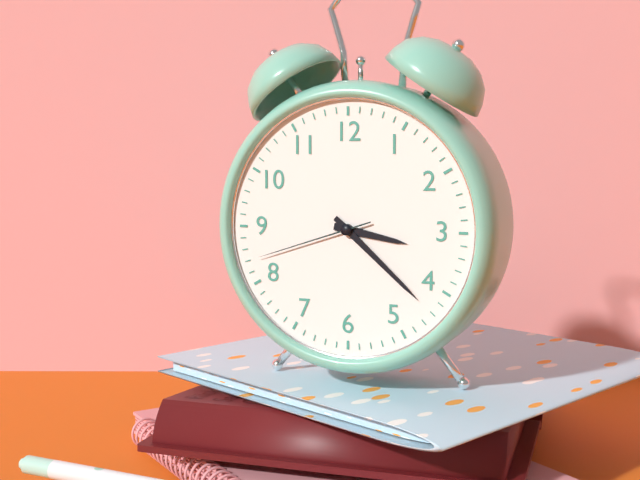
3h22m42s
